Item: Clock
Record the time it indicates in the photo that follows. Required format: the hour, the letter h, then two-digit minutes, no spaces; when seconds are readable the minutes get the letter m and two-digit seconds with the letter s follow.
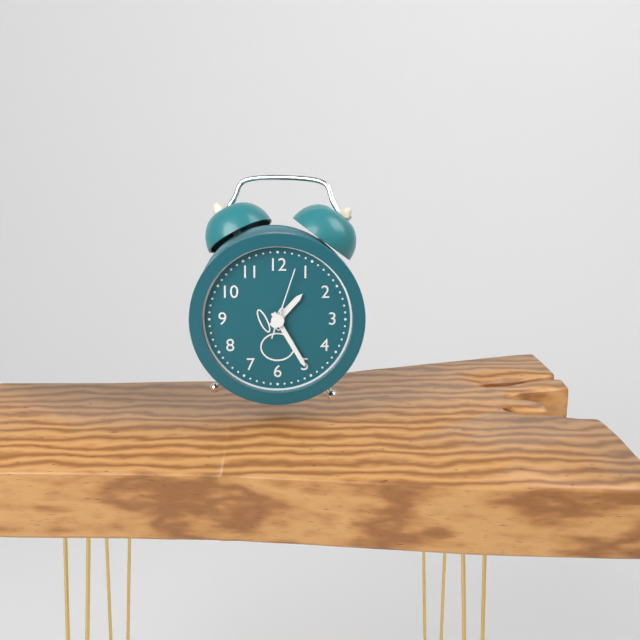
1h25m03s
